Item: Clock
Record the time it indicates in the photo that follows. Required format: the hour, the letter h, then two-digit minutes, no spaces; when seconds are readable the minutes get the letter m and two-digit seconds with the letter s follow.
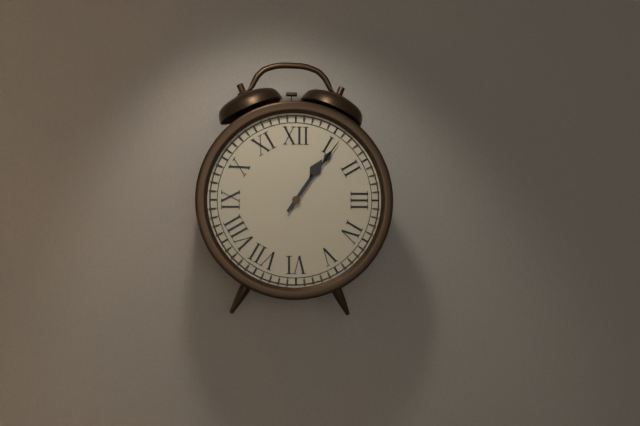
1h06
